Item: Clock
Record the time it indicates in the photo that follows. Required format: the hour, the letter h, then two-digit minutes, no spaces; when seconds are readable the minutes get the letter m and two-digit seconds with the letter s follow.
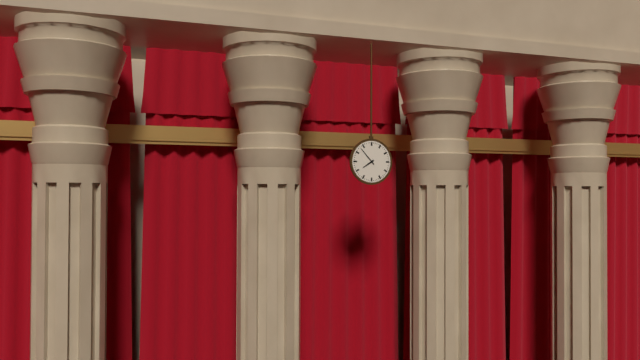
7h53
